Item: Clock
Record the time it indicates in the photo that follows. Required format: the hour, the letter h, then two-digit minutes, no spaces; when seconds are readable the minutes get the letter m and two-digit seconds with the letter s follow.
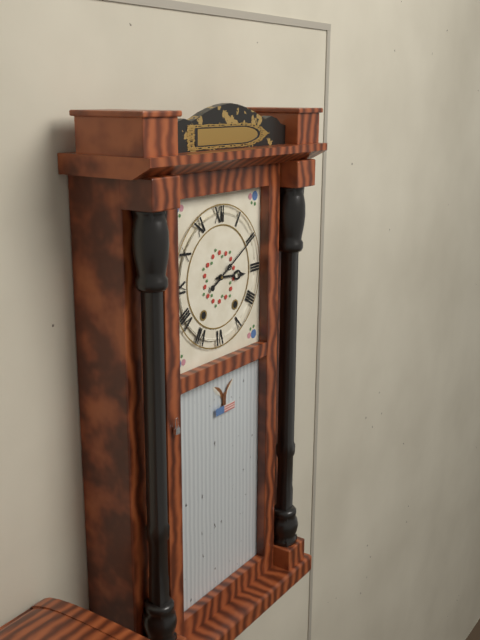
3h10
